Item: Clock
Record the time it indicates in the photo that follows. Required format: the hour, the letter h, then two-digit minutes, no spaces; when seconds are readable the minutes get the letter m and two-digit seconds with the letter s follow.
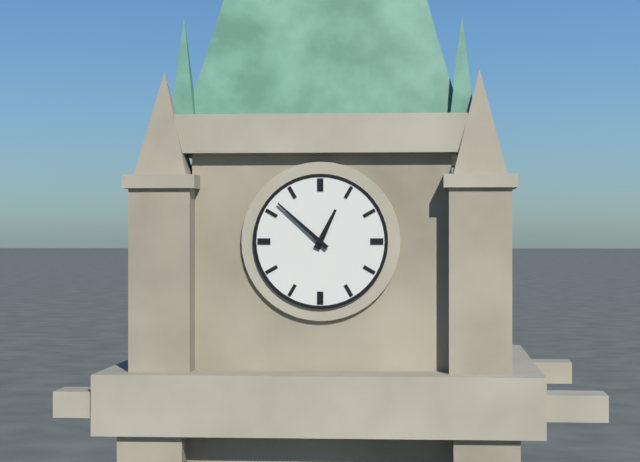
12h52
